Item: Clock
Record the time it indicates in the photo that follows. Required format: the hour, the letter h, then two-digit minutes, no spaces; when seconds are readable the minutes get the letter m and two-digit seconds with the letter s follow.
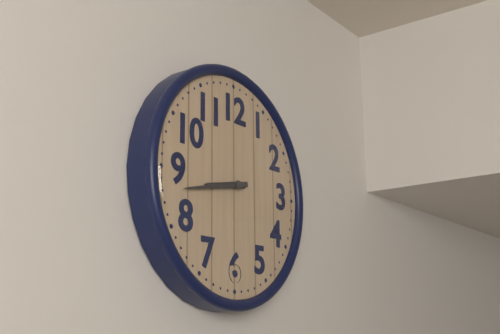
8h43
